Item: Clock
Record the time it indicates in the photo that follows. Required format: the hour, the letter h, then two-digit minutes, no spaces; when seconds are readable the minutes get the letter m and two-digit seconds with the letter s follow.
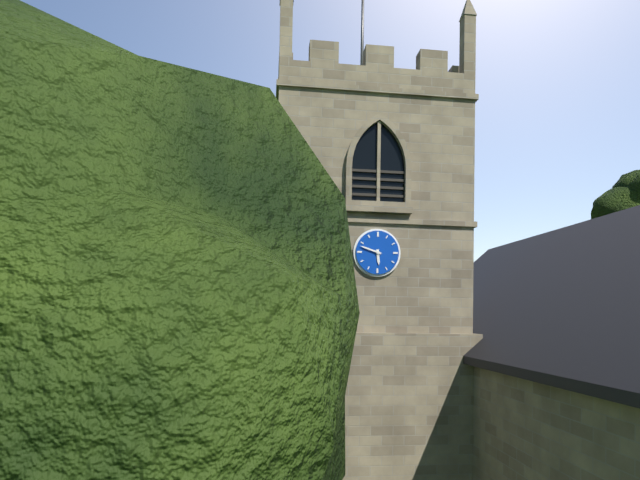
5h48
